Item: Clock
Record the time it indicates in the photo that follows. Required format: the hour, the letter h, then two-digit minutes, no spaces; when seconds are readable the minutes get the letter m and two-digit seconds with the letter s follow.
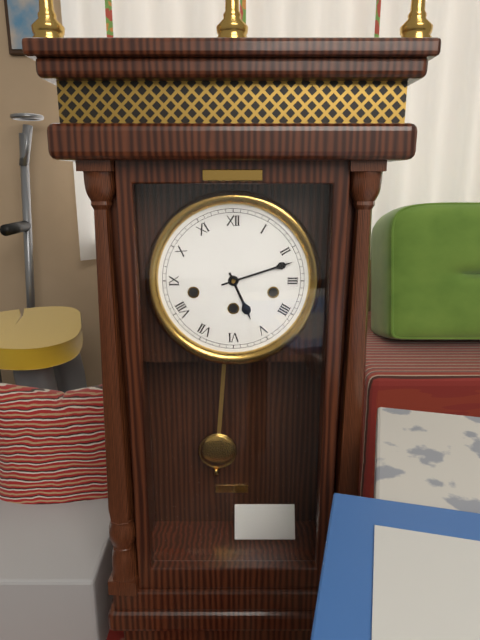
5h12
